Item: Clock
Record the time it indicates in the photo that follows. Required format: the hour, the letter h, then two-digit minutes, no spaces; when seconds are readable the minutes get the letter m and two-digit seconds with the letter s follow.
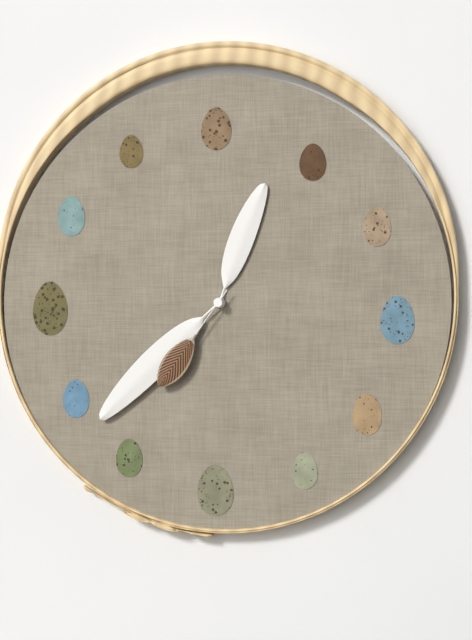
12h38m36s
